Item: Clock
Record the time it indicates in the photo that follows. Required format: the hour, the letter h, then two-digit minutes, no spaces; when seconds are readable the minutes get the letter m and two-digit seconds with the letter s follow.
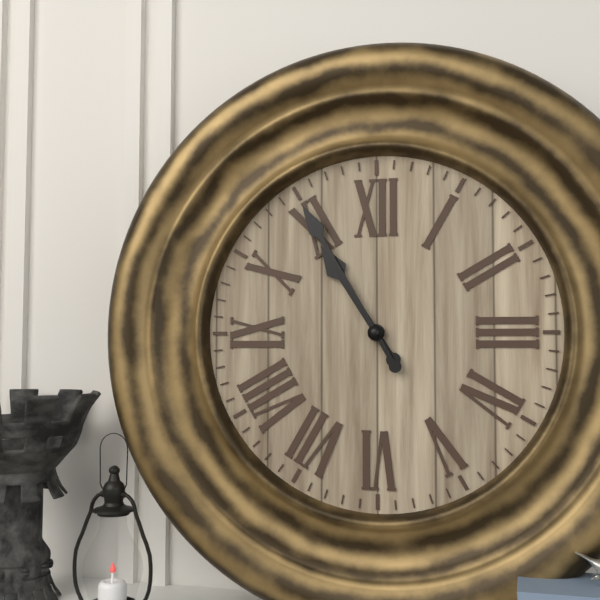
10h55
